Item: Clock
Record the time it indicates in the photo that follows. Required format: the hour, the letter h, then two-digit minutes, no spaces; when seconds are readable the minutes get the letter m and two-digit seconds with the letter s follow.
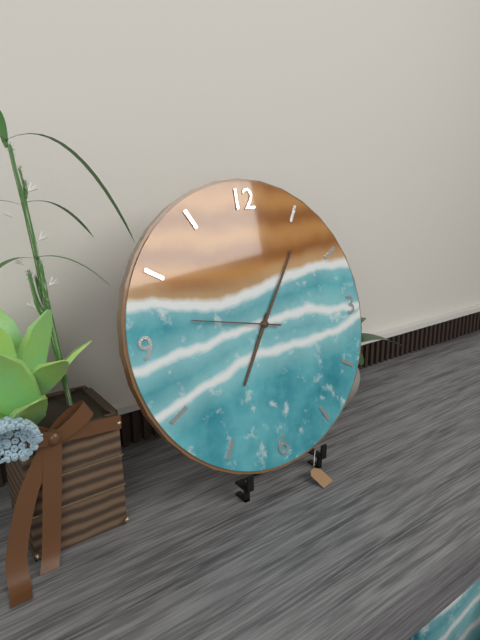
7h06m47s
